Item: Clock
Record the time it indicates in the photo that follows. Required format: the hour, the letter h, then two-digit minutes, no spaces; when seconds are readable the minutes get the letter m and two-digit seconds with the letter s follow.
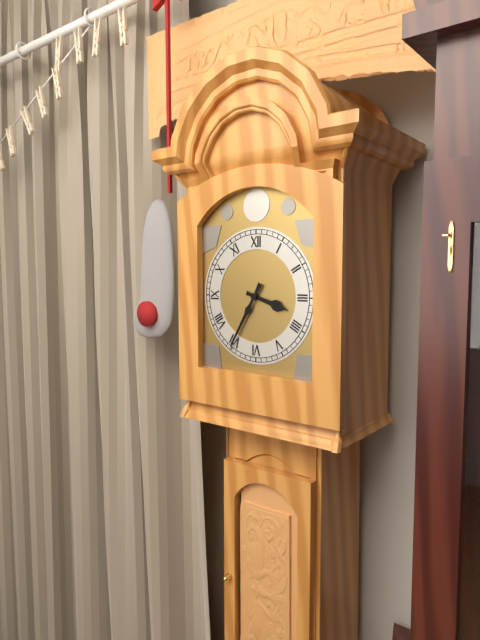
3h35
